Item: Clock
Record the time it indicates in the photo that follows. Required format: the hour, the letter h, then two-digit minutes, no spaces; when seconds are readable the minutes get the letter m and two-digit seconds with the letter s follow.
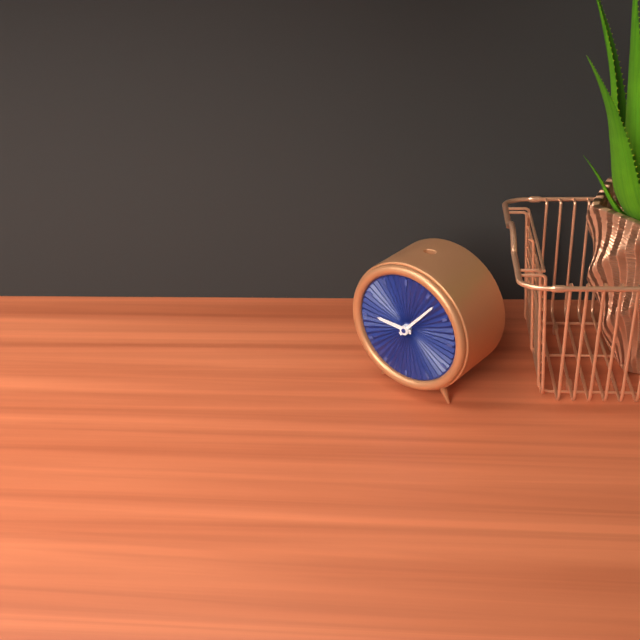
9h07
